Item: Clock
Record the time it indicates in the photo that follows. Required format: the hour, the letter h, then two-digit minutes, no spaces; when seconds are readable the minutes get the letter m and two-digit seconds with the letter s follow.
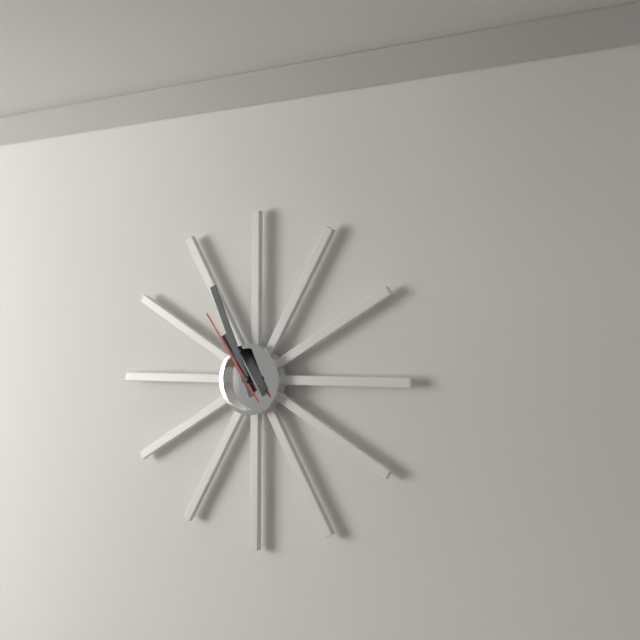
10h56m54s
